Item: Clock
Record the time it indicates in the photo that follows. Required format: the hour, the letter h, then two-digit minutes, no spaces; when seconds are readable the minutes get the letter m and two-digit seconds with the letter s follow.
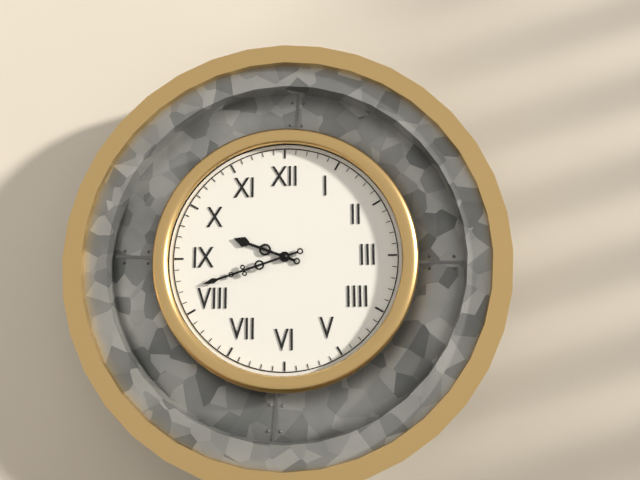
9h42
